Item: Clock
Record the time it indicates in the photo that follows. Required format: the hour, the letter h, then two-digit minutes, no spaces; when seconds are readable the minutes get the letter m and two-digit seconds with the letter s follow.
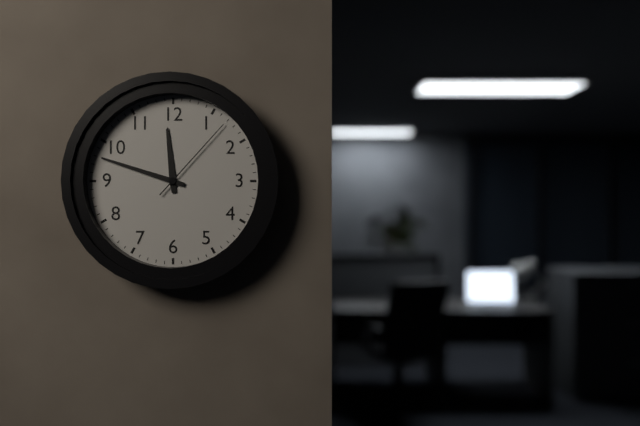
11h48m07s
